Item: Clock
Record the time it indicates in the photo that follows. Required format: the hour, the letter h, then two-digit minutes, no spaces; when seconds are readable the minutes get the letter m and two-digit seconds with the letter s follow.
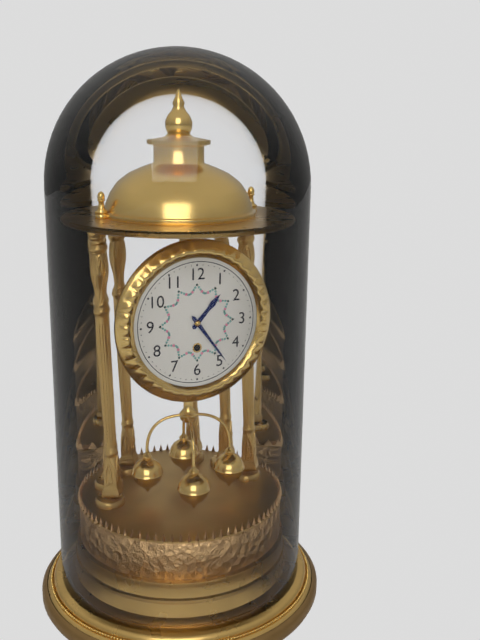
1h24
